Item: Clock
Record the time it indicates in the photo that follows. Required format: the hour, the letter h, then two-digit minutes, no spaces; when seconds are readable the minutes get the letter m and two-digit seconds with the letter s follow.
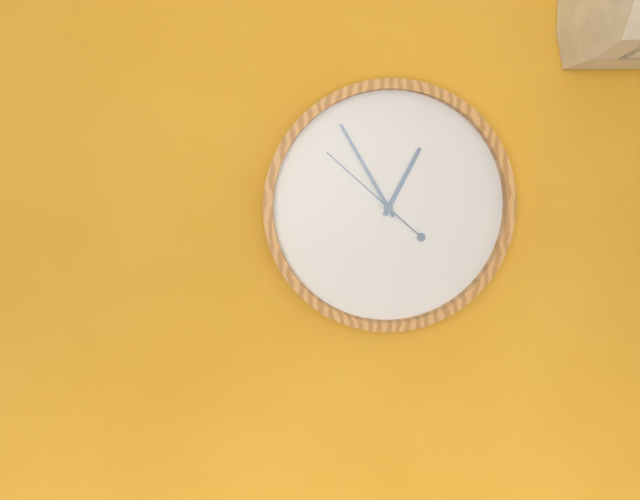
12h55m52s
